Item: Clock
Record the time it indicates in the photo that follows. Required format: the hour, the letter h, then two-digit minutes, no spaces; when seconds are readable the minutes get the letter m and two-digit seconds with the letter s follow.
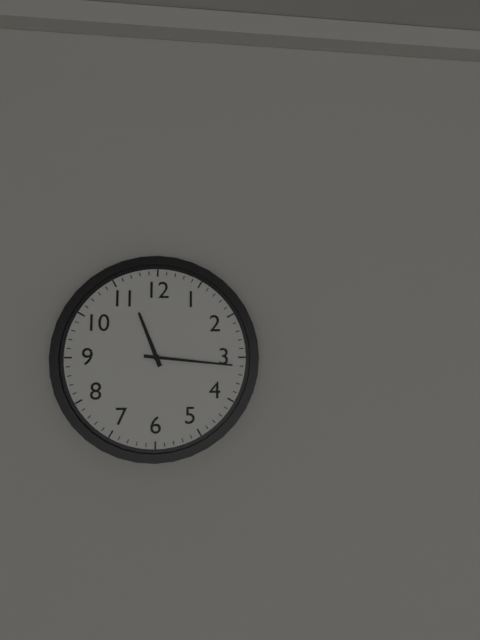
11h16
